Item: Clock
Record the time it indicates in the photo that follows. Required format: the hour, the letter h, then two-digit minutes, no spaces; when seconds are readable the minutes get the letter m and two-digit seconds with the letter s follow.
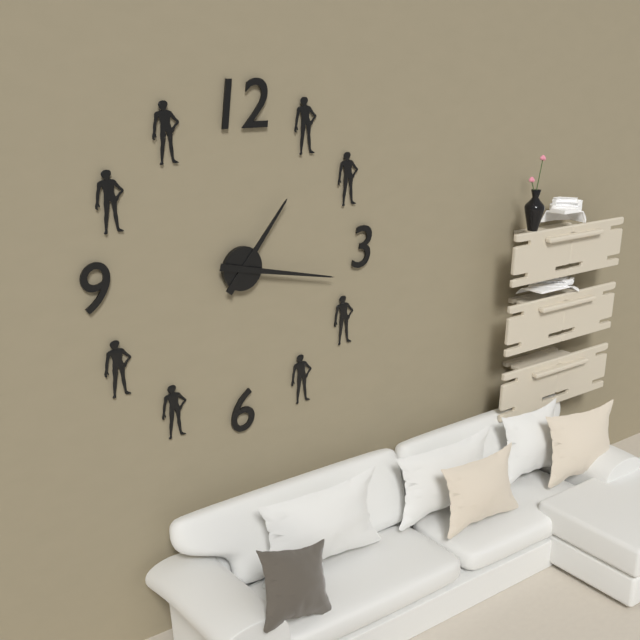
1h17
